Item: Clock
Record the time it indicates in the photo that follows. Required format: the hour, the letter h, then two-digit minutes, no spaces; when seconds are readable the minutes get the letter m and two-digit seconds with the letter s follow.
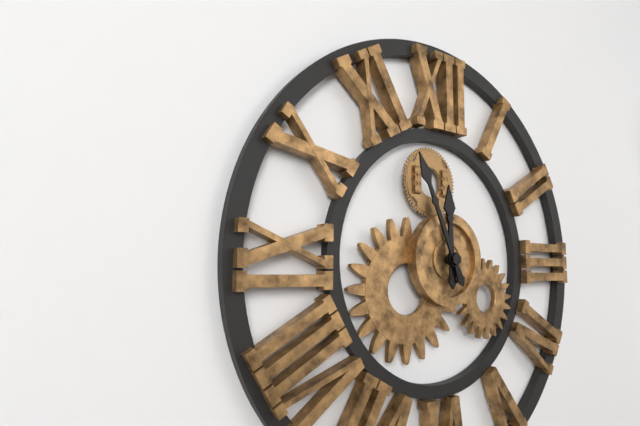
11h56
